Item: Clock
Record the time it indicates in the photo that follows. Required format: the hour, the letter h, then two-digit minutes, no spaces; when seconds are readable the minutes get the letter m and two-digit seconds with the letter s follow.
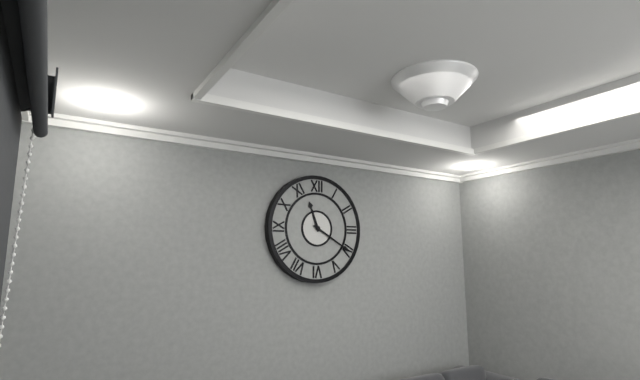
11h20
